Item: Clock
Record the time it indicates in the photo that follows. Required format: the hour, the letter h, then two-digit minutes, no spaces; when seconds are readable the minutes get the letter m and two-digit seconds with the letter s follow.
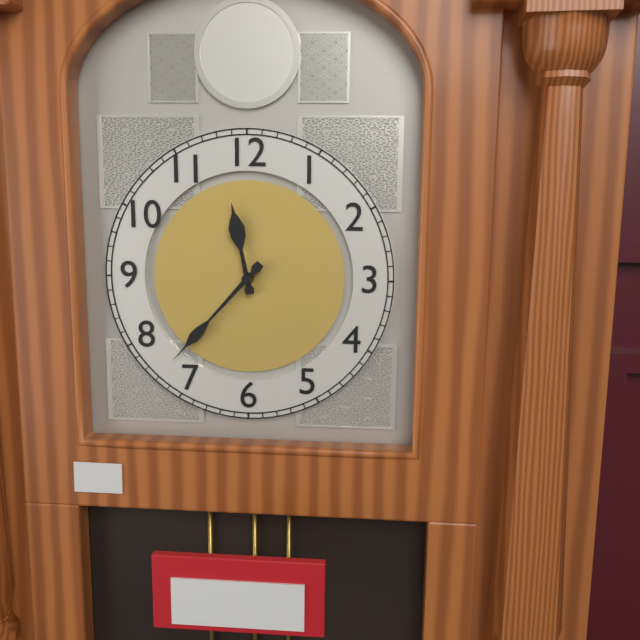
11h37
